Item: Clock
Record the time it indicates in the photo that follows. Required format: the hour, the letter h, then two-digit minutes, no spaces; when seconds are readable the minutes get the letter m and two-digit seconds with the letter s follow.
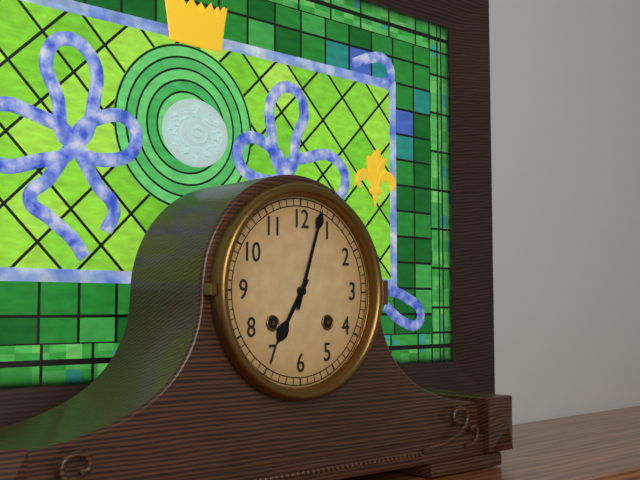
7h03
